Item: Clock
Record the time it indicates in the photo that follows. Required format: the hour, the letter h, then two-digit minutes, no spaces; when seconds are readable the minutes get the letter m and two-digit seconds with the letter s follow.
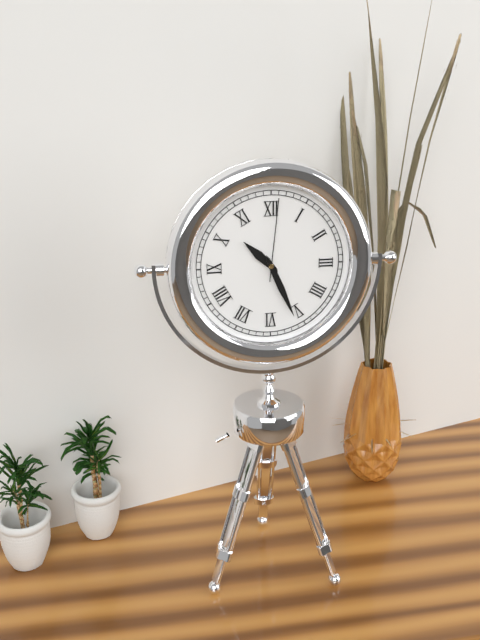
10h26m01s
